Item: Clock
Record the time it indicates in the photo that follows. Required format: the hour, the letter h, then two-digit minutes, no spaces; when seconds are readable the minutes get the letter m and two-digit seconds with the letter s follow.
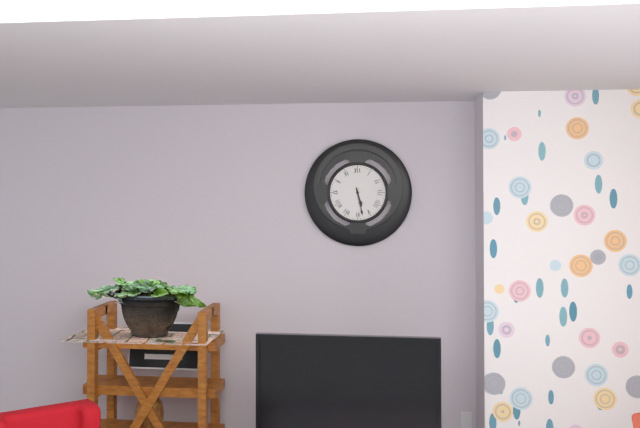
5h28
